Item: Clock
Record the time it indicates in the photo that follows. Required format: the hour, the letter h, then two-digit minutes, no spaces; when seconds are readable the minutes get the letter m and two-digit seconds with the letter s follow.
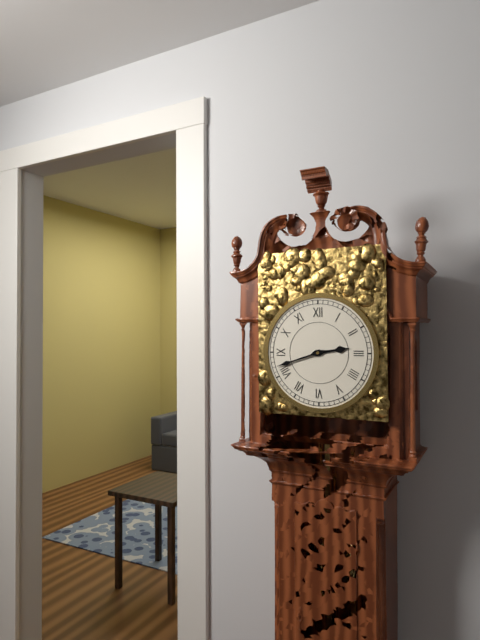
2h42
